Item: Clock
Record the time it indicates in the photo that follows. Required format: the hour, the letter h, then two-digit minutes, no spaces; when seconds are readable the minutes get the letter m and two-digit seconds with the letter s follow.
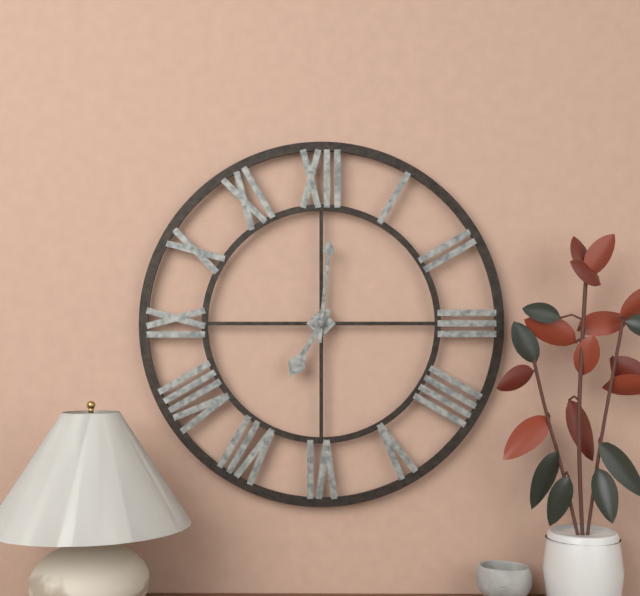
7h01
